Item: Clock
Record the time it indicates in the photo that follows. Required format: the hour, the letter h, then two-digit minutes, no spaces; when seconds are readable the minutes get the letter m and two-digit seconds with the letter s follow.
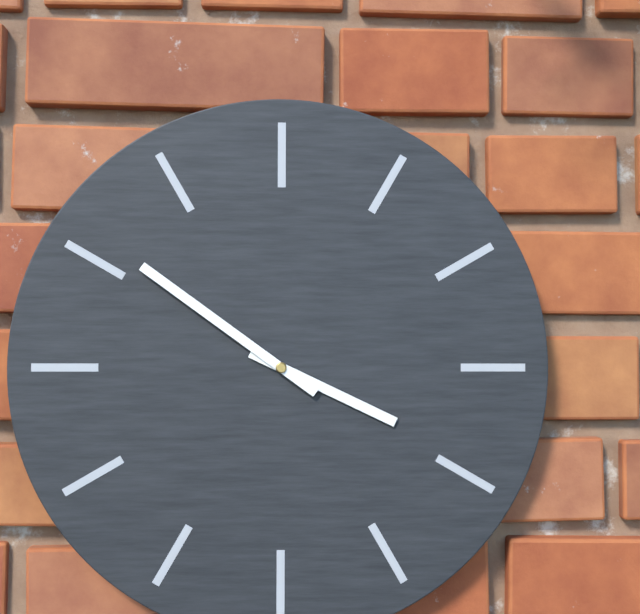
3h51
